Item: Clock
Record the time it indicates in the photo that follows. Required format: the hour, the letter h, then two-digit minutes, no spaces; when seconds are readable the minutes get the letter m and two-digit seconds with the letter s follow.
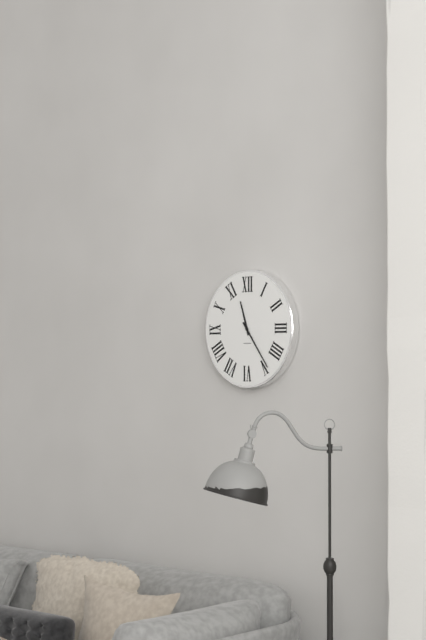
11h24
